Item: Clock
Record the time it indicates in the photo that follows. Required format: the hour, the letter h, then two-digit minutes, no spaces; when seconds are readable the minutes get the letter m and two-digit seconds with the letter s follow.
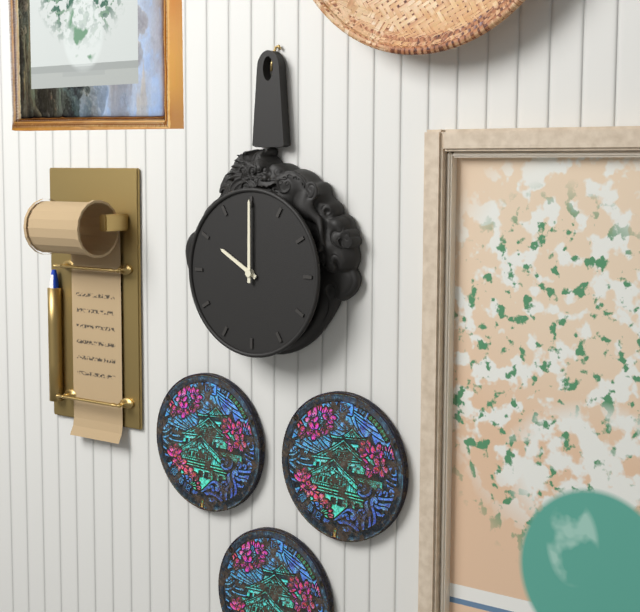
10h00
